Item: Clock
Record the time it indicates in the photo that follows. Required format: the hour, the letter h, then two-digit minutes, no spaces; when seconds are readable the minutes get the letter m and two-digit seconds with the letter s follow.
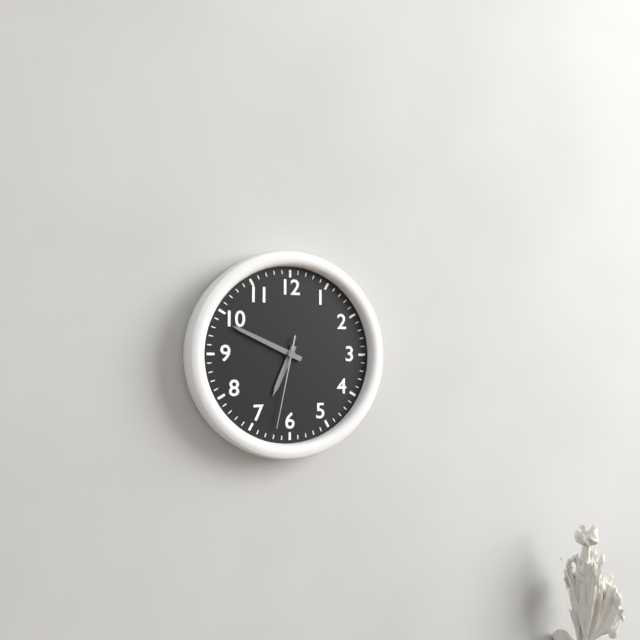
6h49m32s
